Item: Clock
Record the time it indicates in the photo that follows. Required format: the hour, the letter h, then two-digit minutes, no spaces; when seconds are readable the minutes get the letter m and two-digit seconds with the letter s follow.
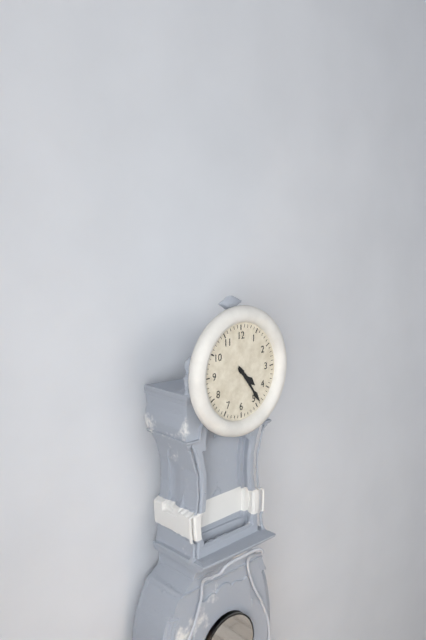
4h24
